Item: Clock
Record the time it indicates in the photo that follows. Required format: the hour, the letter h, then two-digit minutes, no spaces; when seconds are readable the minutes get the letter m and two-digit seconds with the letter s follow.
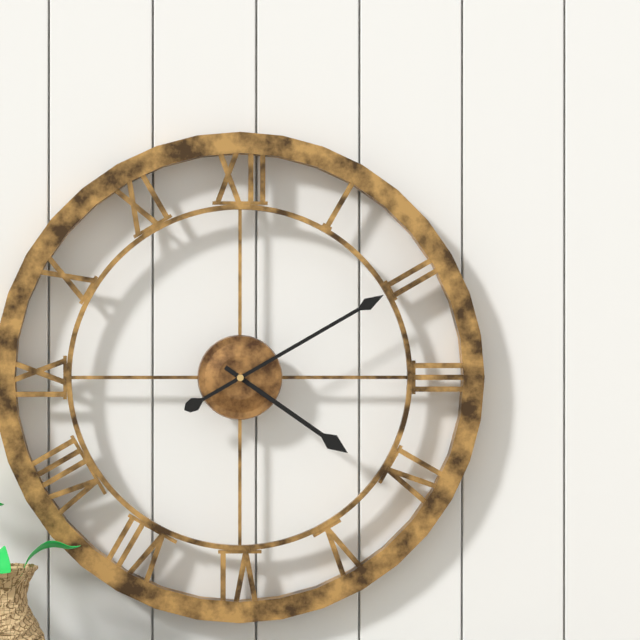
4h10
